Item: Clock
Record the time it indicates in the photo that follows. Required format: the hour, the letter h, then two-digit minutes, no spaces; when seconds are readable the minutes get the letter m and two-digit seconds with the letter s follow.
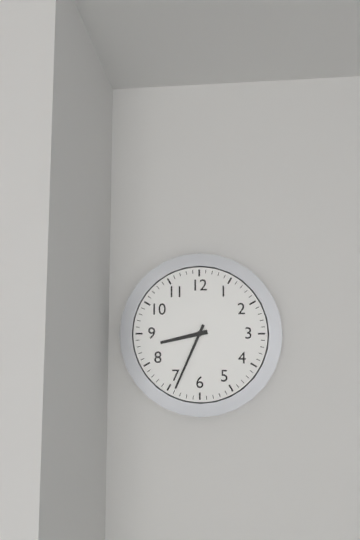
8h34
